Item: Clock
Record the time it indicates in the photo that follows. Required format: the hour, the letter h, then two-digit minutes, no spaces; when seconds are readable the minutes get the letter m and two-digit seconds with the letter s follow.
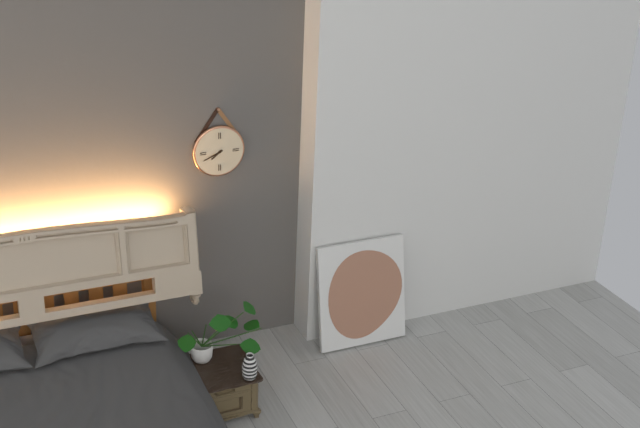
7h41
